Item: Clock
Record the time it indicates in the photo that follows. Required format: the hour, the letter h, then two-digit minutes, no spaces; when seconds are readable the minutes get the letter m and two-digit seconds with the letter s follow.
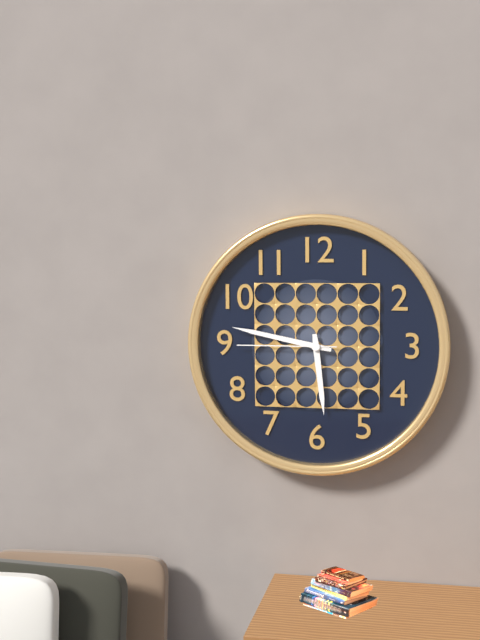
5h47m45s
